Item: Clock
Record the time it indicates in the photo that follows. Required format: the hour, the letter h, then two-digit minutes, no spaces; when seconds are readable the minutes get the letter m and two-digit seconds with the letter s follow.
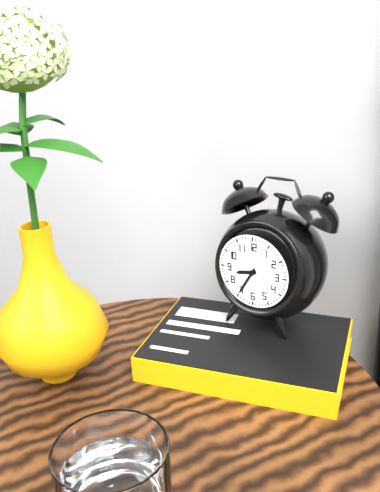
8h35
